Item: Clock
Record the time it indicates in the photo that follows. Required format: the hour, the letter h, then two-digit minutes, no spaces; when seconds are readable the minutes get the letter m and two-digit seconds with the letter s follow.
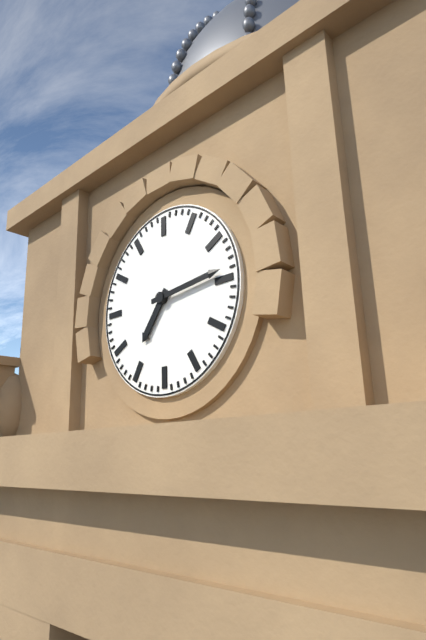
7h14
